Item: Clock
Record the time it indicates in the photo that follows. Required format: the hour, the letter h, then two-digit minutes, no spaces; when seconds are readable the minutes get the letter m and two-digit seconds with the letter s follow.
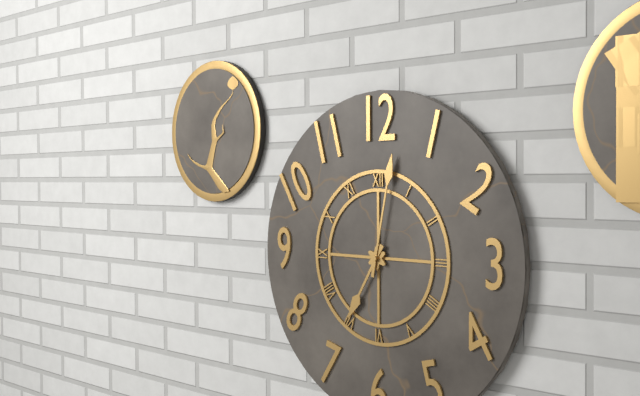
7h02
